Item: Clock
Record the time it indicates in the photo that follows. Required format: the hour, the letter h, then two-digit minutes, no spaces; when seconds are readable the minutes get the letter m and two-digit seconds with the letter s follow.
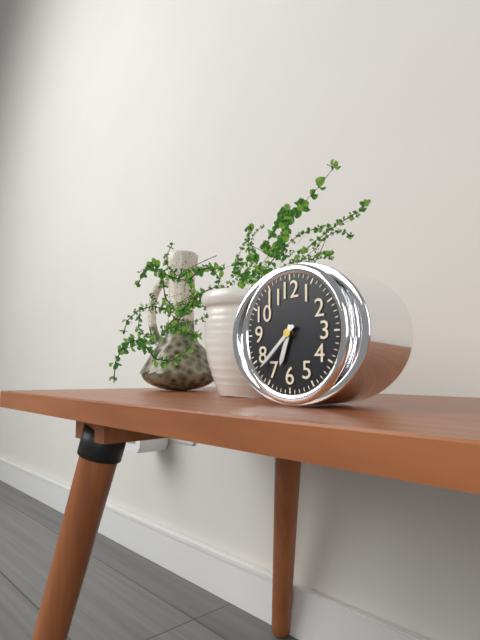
6h38
